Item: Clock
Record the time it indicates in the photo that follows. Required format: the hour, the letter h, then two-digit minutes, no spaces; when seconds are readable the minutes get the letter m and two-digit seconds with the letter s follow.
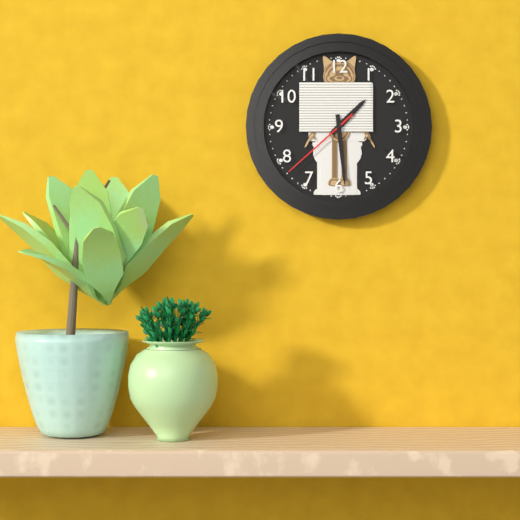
1h29m38s
